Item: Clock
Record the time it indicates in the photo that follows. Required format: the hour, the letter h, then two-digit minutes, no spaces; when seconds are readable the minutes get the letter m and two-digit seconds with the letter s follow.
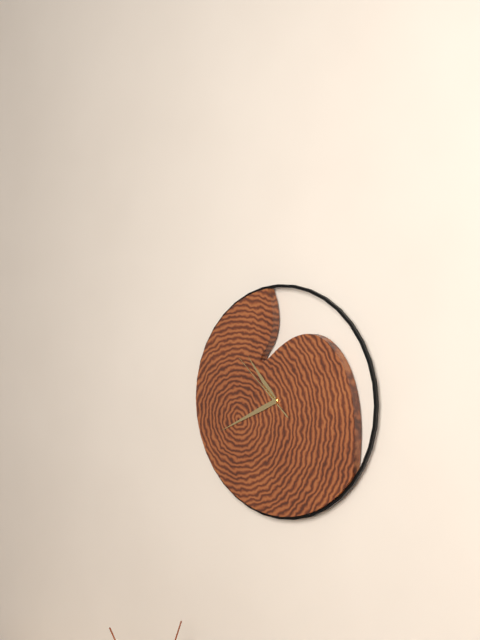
10h41m52s
